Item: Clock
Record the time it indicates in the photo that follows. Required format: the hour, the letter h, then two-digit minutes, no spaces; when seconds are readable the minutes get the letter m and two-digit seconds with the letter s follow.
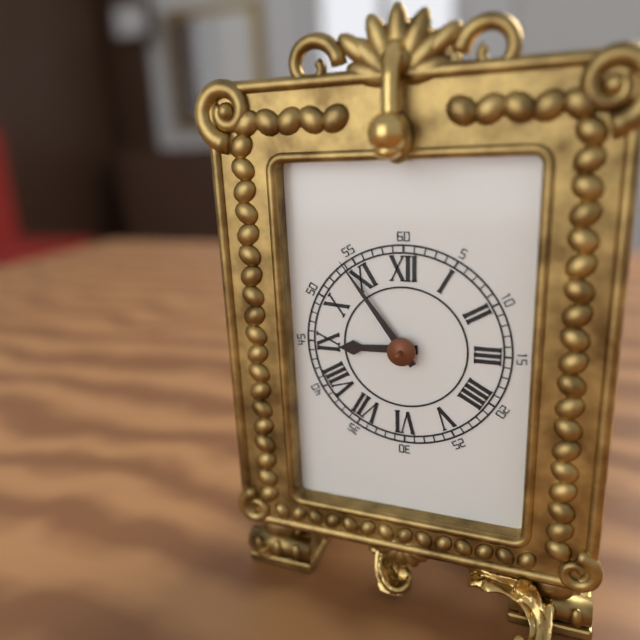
8h54
